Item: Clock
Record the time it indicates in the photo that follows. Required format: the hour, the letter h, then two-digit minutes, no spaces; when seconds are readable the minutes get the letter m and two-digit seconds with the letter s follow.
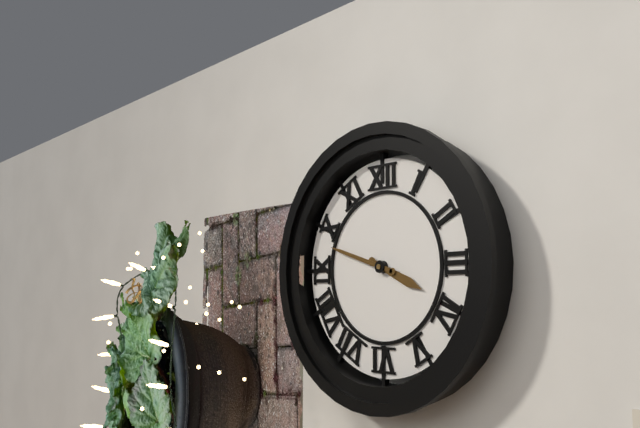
3h48
